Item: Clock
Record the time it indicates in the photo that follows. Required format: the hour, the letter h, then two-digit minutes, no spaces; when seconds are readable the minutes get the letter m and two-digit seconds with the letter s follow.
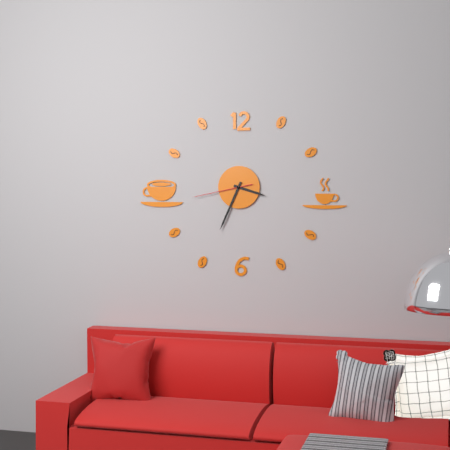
3h34m43s
